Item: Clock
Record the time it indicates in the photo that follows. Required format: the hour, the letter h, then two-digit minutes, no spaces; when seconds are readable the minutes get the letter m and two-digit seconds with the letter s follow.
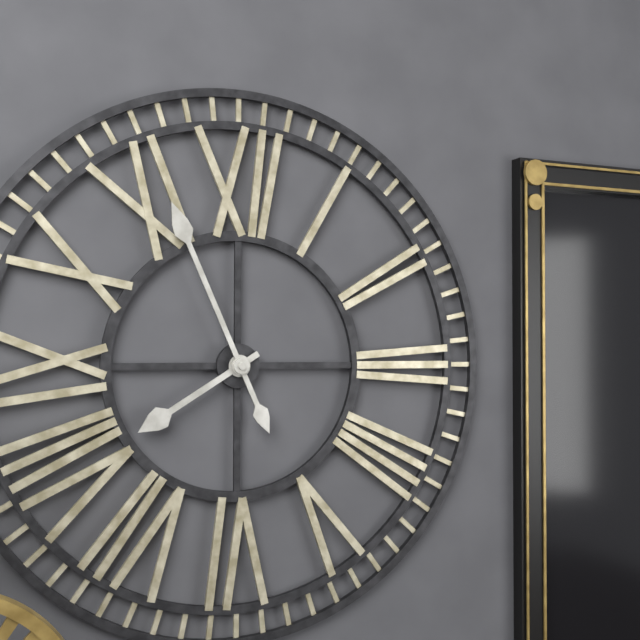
7h56
